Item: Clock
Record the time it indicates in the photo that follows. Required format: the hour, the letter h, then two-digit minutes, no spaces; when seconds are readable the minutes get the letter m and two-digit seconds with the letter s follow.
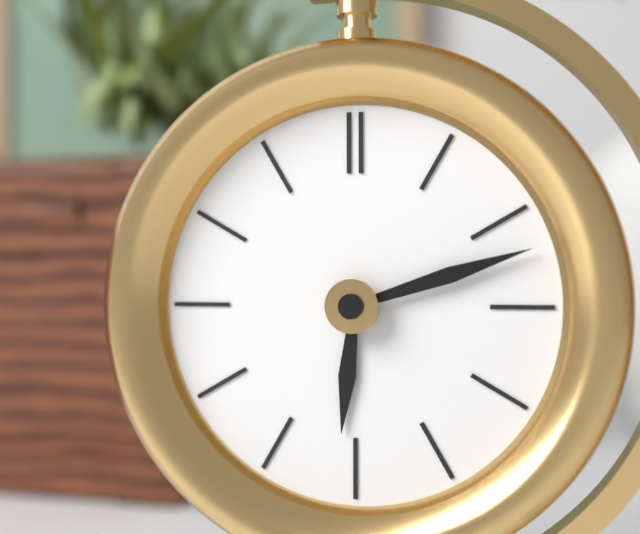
6h12
